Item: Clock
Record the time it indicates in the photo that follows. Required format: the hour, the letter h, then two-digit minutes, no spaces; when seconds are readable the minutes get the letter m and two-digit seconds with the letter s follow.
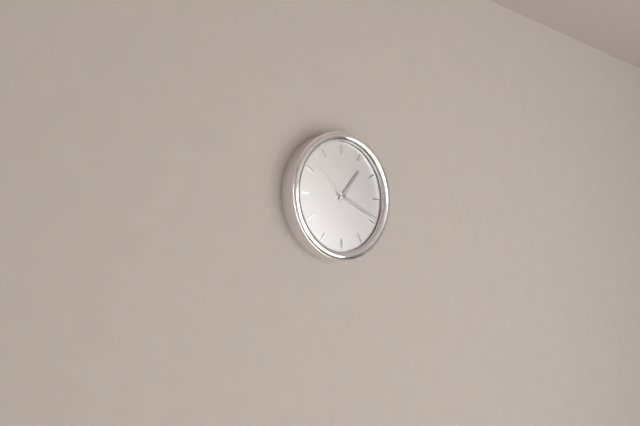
1h19m52s
